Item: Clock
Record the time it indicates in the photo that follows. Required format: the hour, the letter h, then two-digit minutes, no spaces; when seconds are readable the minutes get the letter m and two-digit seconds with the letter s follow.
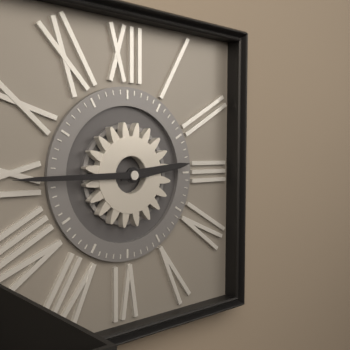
2h45
